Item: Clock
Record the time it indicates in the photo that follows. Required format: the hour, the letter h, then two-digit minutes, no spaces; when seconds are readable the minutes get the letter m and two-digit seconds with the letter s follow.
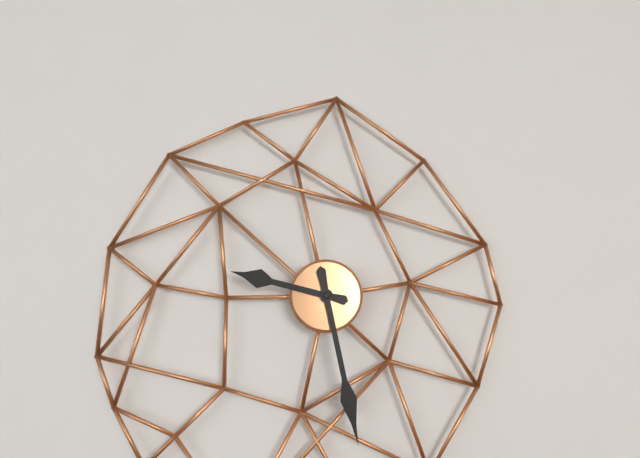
9h28
